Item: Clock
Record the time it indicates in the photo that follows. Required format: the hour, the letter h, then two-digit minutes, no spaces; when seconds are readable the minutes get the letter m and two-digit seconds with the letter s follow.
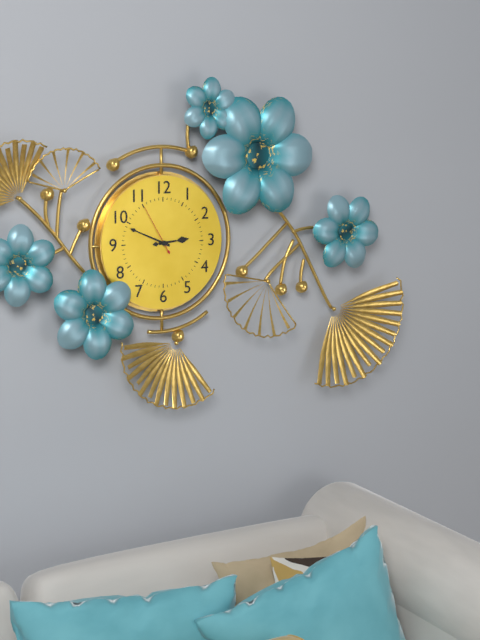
2h49m55s
